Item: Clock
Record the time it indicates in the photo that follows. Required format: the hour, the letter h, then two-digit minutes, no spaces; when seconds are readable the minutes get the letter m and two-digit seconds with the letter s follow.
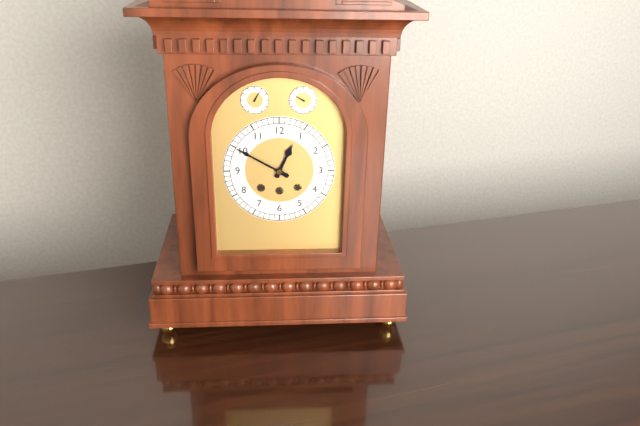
12h50
